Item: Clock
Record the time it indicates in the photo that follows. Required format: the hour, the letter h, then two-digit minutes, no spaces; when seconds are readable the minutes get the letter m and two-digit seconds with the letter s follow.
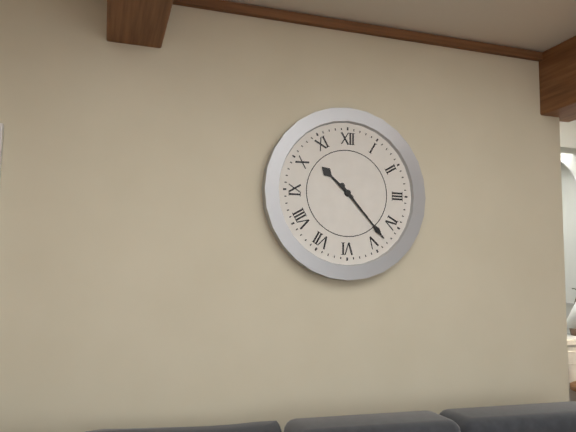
10h23
